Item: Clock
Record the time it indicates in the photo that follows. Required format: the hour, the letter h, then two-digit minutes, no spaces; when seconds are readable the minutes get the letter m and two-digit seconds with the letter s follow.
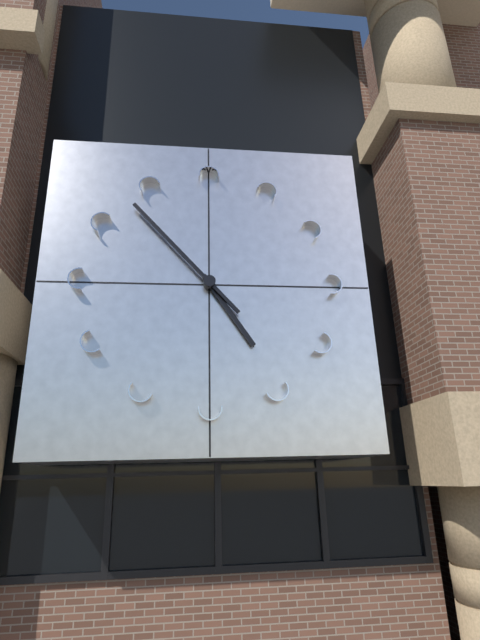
4h53
